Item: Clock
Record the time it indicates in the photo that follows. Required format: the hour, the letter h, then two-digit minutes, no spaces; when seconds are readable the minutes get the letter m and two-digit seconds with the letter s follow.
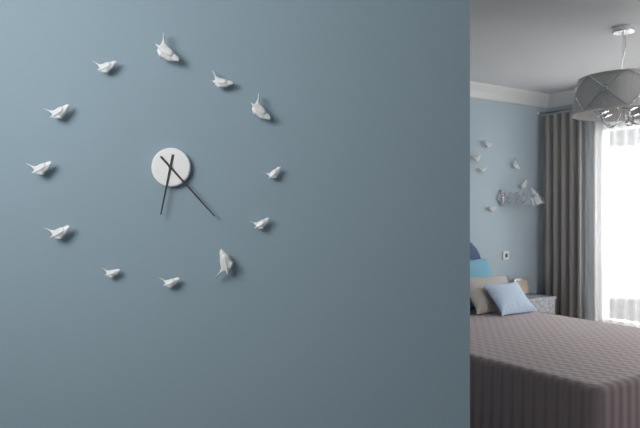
6h23
